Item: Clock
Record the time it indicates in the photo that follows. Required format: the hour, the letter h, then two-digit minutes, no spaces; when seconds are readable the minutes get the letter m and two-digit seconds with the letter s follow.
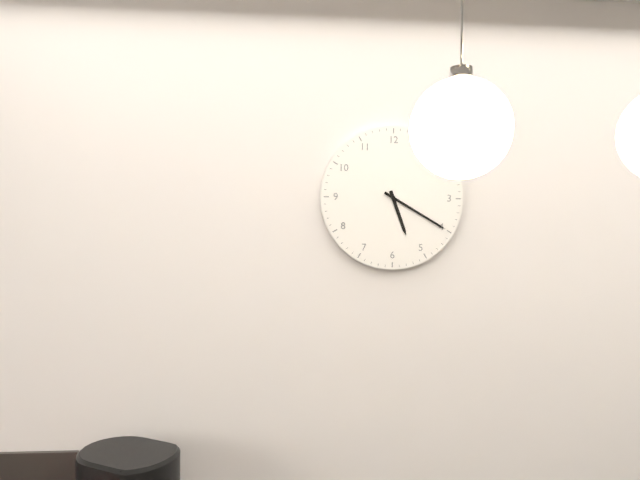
5h20
